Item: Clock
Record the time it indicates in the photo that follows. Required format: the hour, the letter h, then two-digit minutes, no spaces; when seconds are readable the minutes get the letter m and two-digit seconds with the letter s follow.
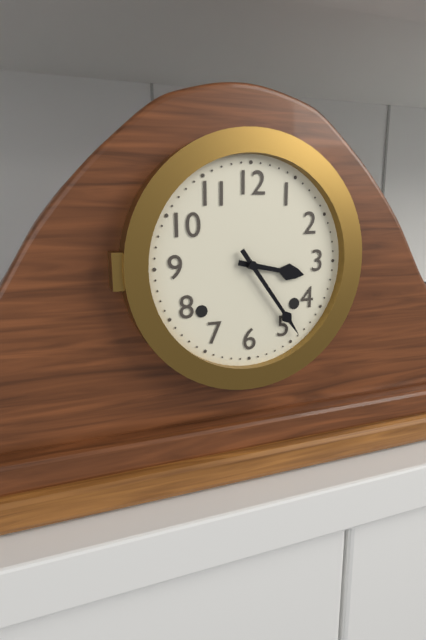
3h24
